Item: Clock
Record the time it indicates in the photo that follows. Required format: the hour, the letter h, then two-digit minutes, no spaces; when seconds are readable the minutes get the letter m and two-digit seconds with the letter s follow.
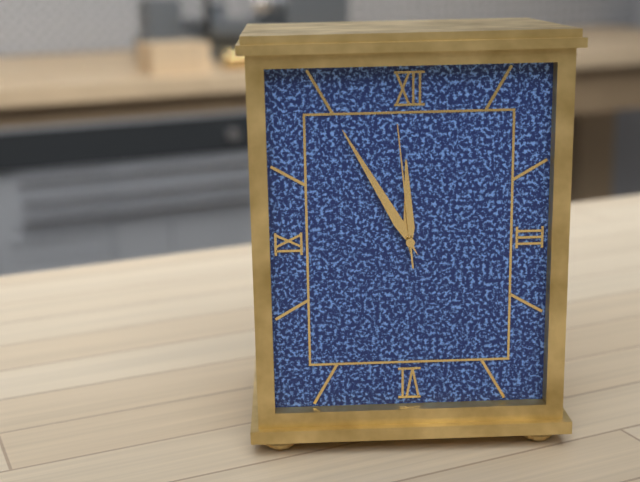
11h55m59s
